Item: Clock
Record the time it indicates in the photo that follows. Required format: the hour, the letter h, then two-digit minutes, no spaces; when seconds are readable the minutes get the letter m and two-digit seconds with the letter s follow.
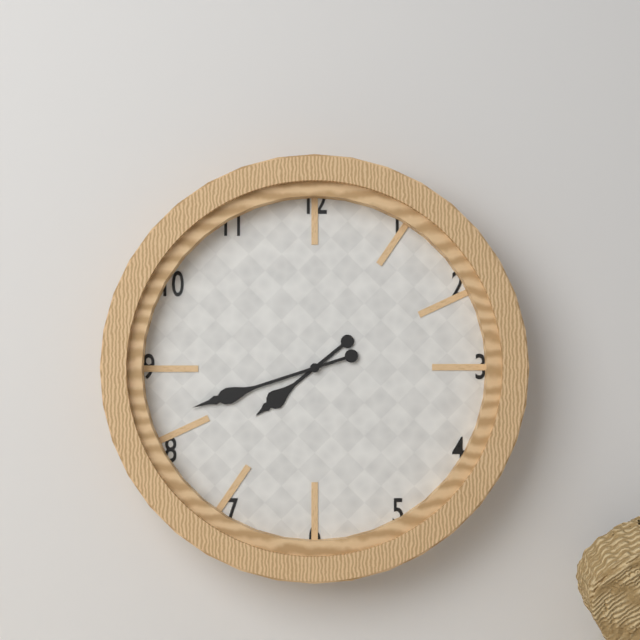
7h42
